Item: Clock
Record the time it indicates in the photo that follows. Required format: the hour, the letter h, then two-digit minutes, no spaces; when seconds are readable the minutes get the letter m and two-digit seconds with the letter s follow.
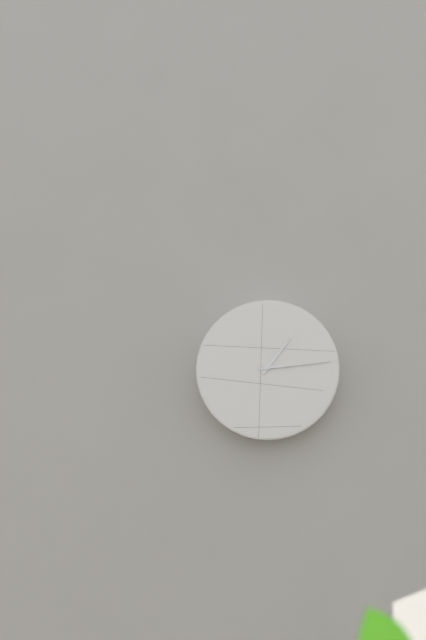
1h14
